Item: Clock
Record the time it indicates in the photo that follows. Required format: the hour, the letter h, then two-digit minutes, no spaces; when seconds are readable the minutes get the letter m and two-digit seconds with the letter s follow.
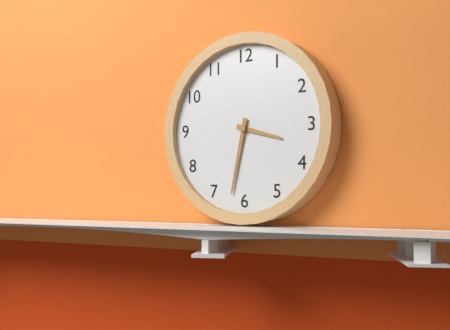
3h32
